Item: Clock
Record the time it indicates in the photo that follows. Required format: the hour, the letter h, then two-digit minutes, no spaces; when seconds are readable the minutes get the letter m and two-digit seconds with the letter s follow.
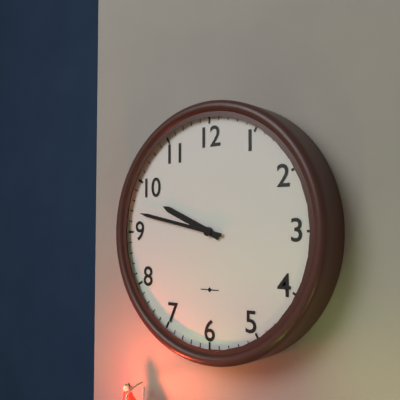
9h47
